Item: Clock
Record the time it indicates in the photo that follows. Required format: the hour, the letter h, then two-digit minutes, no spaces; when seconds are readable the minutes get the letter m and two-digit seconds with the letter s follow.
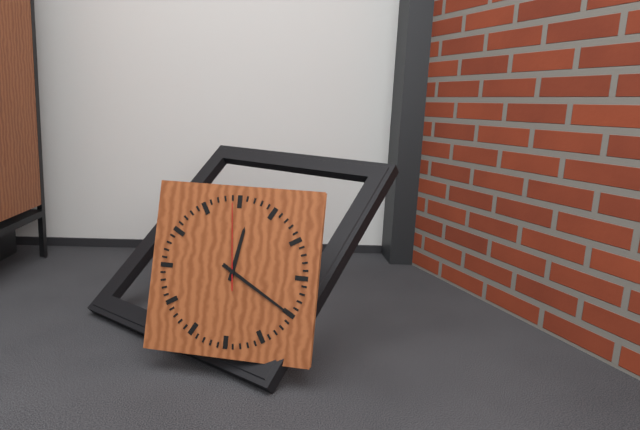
12h20m59s
